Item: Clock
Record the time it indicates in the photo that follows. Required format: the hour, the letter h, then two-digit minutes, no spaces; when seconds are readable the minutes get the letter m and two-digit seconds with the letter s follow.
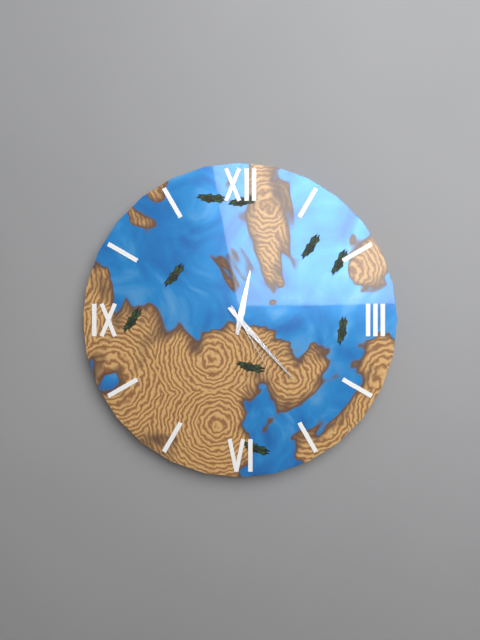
12h23m25s
